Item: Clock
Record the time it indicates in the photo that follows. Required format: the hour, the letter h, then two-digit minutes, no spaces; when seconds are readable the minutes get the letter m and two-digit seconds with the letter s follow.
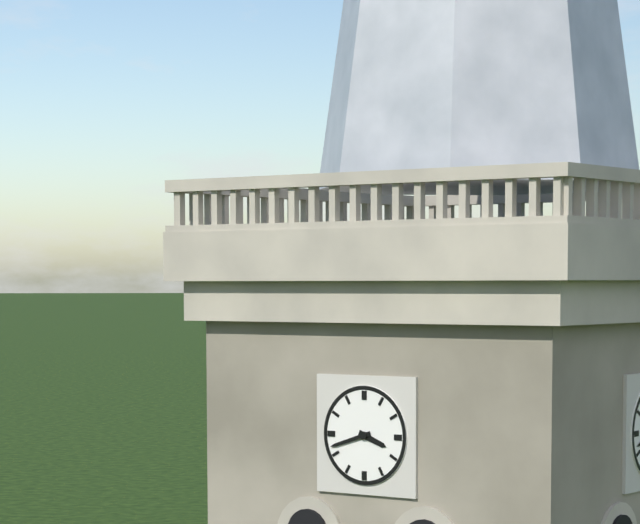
3h42
